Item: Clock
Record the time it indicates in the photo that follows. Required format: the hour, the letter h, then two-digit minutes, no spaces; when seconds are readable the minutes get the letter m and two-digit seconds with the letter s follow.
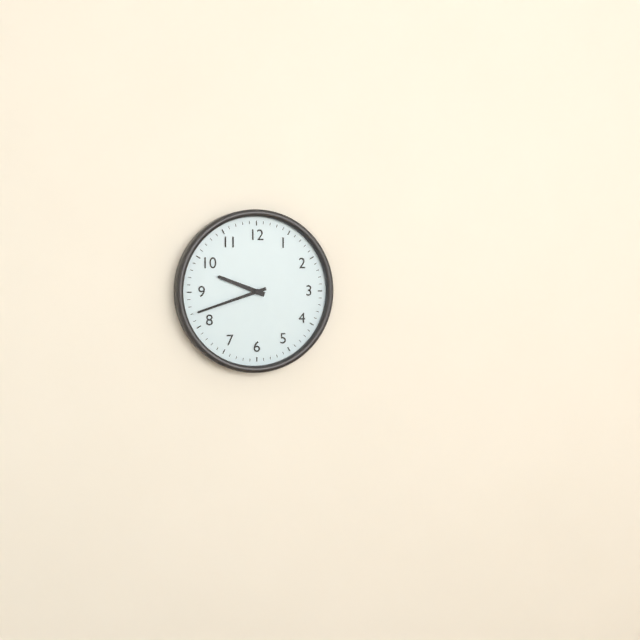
9h42
